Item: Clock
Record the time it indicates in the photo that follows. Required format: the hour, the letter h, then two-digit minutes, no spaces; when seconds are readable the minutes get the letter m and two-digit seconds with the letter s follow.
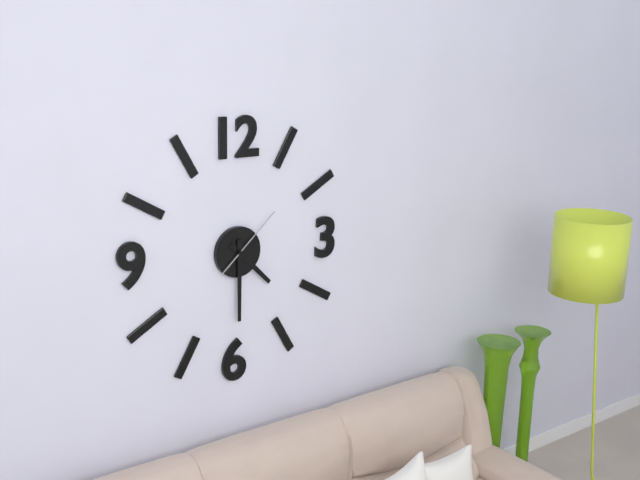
4h30m08s
